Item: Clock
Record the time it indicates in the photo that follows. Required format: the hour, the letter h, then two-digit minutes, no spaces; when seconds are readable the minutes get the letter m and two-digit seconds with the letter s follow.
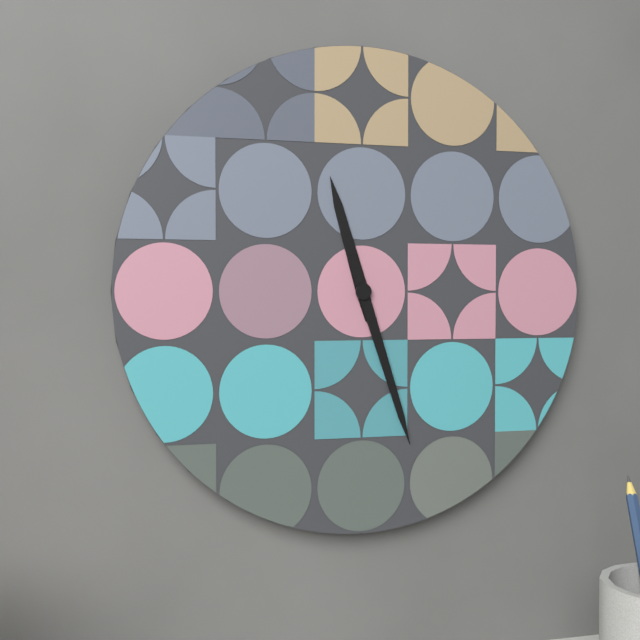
11h27
